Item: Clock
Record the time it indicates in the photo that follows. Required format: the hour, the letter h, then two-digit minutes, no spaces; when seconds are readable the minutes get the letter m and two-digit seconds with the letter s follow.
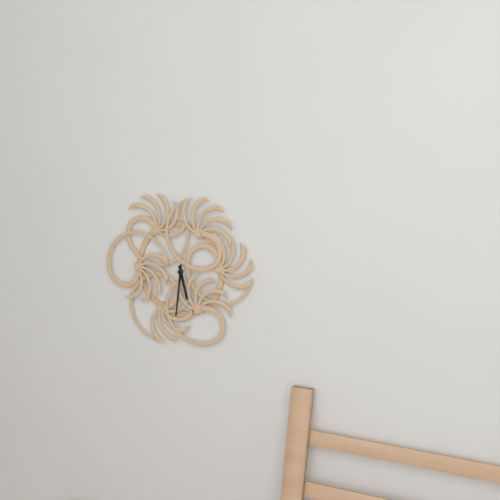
5h31
